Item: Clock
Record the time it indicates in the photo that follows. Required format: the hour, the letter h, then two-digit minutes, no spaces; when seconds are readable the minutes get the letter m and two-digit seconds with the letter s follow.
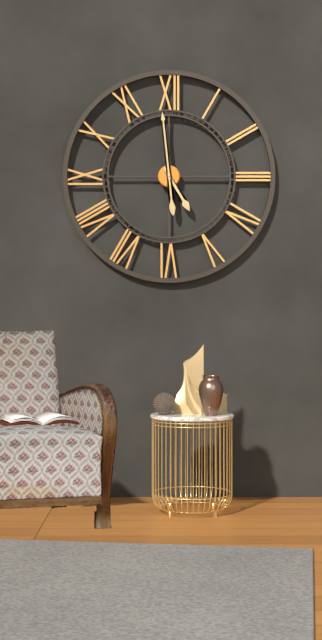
4h59
